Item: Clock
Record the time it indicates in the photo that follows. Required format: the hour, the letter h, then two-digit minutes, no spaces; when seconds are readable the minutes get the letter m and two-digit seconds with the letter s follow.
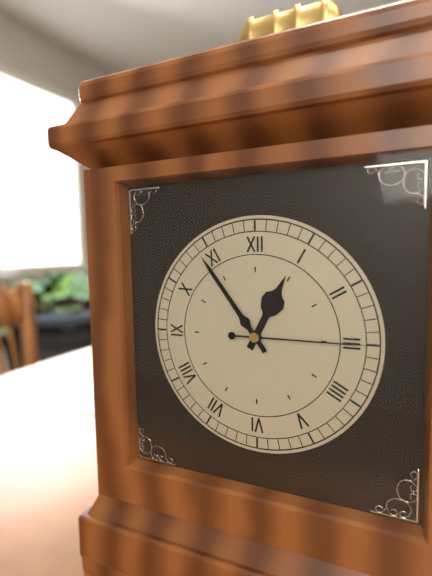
12h54m15s
